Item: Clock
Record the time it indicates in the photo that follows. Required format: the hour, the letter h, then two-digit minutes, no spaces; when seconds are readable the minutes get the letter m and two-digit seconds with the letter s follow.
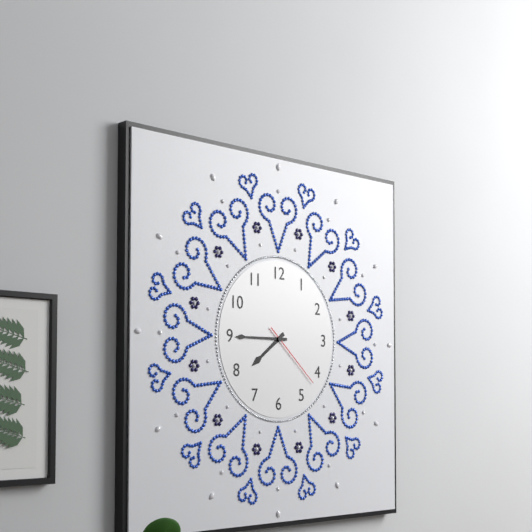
7h45m22s
